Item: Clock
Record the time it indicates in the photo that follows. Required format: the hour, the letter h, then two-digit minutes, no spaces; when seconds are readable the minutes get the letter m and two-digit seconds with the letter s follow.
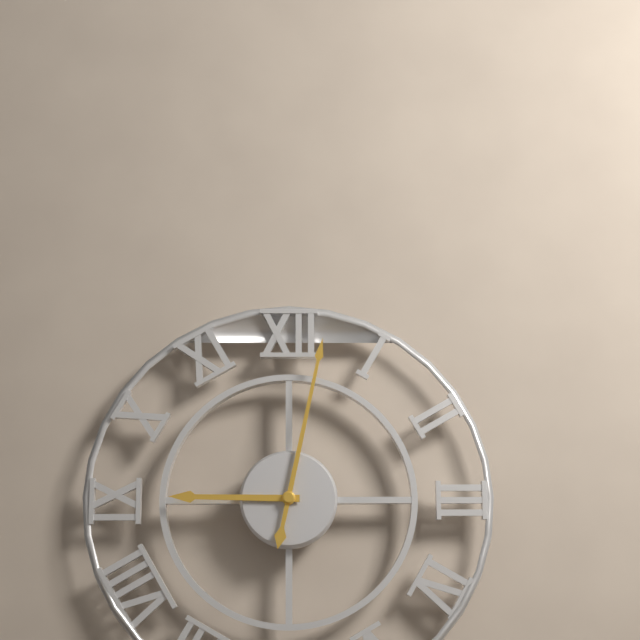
9h02
